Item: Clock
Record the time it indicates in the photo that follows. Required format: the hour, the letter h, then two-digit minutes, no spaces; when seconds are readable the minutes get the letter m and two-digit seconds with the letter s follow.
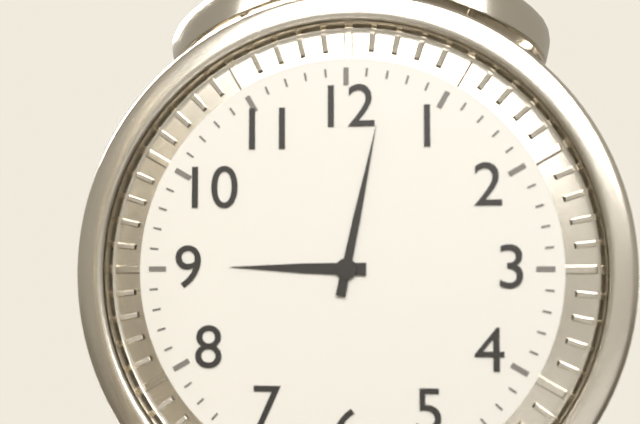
9h02
